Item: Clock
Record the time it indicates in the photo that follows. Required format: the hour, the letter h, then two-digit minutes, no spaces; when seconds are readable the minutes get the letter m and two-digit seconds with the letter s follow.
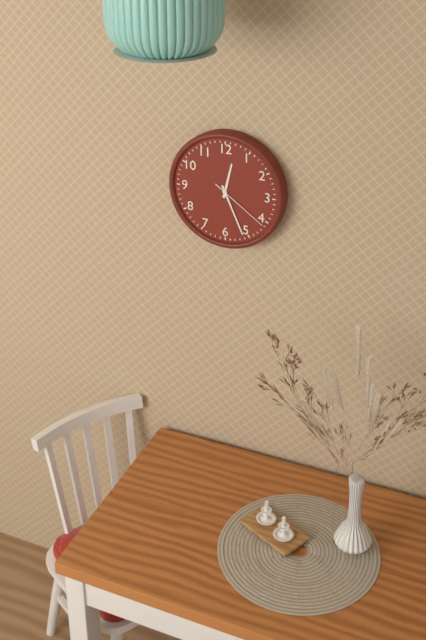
12h26m21s
